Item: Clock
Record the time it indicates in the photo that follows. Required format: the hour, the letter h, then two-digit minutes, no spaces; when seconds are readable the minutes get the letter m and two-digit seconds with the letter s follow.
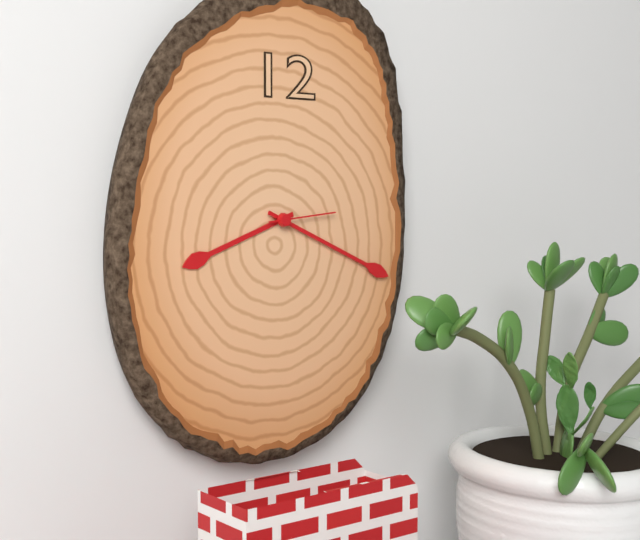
8h19m14s
